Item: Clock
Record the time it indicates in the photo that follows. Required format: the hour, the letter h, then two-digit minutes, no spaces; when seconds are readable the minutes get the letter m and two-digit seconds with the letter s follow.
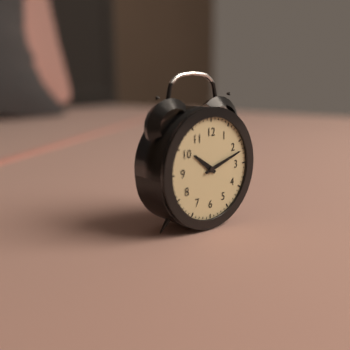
10h12
